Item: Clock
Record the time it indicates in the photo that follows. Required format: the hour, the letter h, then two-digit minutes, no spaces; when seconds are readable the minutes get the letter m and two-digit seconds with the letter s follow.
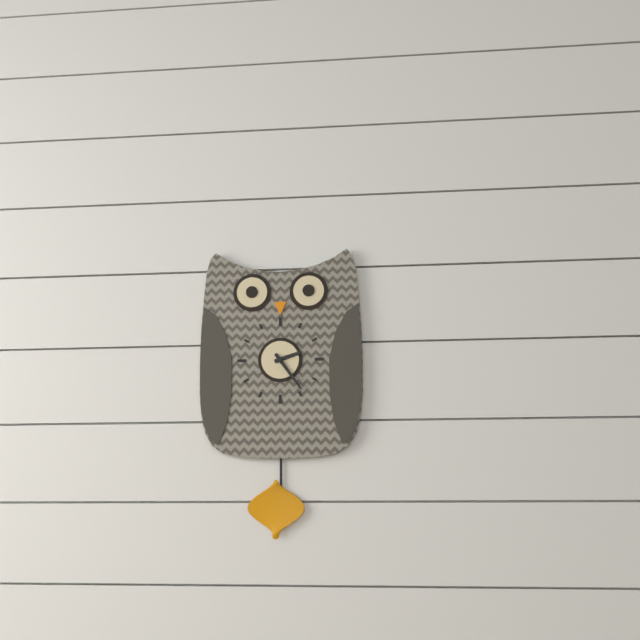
2h24
